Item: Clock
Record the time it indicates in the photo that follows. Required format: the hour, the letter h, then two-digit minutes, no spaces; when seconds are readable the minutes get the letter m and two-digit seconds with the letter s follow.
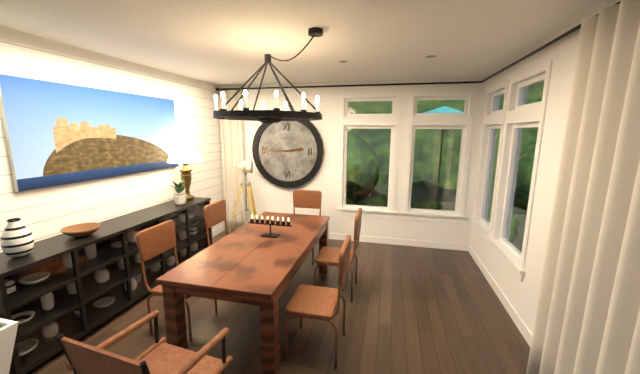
2h45
